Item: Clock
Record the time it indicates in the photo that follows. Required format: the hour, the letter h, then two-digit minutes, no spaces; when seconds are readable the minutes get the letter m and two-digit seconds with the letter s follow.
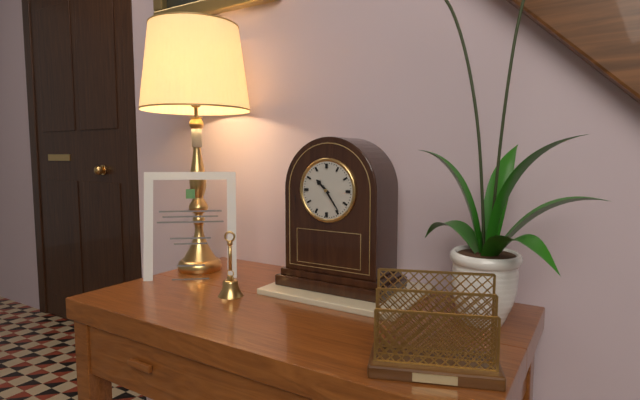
10h24
